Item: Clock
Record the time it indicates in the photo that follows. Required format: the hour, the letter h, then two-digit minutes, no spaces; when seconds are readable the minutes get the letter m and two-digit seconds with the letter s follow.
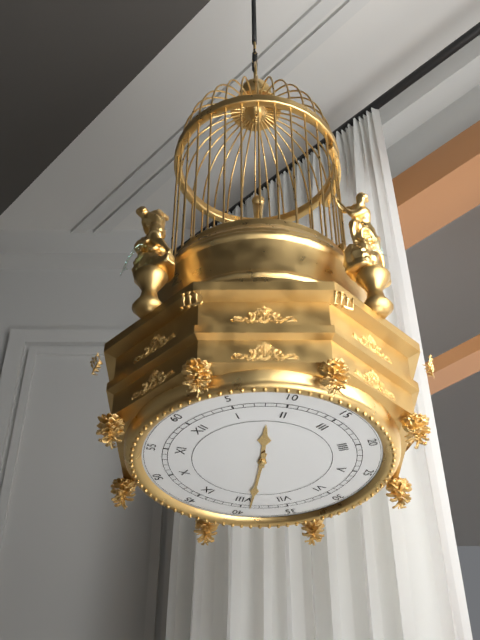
1h39
